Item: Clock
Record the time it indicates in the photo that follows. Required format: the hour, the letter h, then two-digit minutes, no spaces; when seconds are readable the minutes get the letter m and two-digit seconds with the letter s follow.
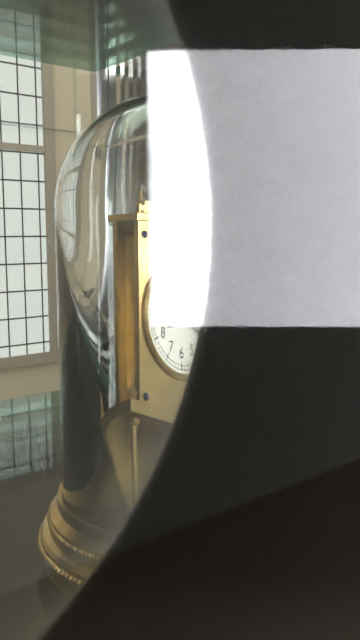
8h19
